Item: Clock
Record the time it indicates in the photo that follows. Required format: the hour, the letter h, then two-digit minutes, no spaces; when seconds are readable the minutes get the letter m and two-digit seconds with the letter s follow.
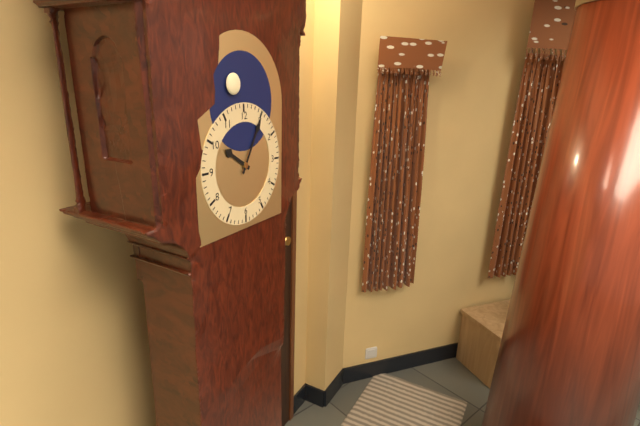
10h05
